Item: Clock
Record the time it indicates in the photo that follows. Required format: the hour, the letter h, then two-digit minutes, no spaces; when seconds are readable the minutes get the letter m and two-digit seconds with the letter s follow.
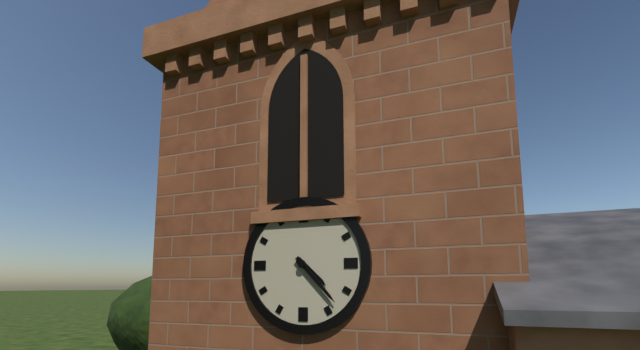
4h23
